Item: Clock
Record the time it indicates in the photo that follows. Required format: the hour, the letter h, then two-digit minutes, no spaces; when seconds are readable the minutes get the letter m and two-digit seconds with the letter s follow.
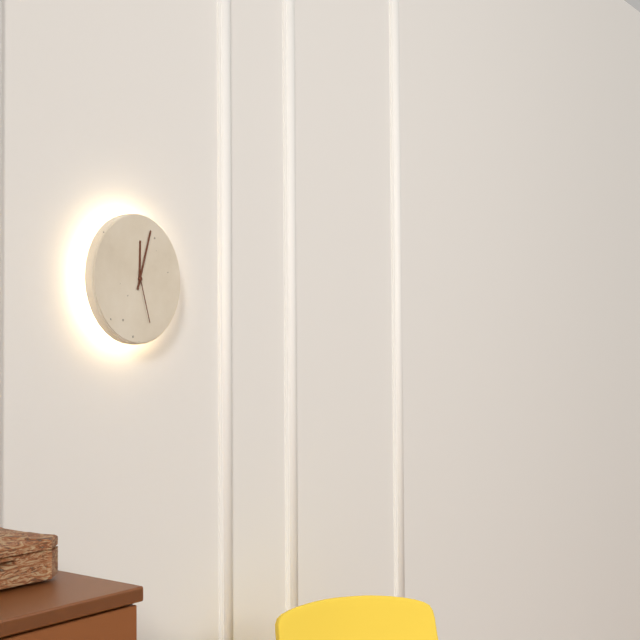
12h03m27s
